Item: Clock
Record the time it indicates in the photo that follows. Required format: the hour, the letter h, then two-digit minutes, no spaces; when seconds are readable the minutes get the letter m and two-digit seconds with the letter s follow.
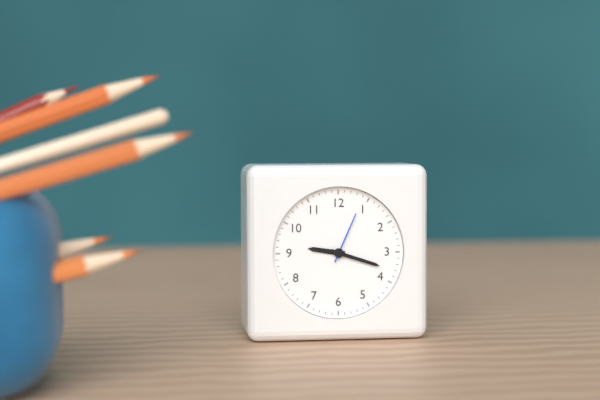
9h18m04s
